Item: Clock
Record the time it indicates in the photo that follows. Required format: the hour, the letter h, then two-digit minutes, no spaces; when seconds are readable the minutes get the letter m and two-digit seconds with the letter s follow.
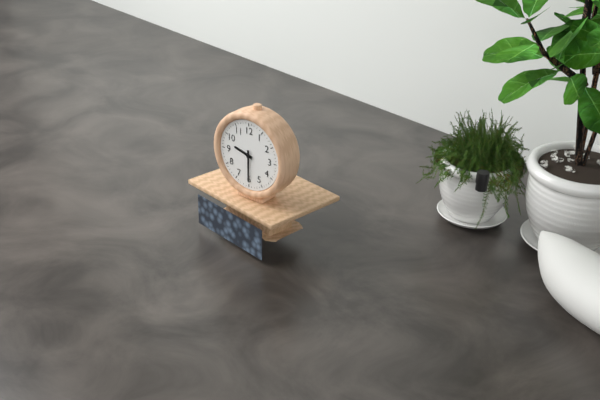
9h30
